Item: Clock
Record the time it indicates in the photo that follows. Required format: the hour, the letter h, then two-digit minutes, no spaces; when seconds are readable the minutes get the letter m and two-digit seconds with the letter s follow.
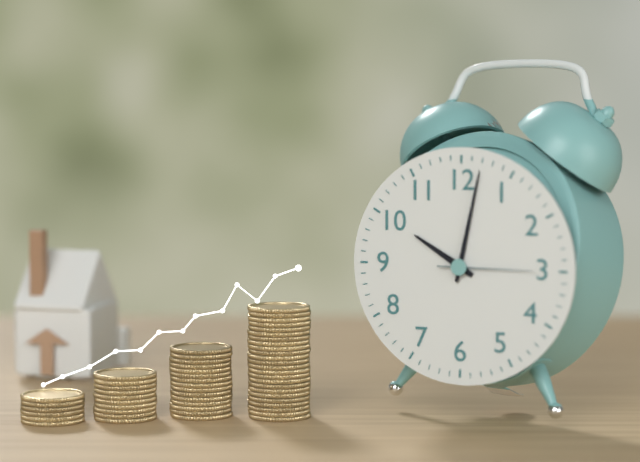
10h02m15s
